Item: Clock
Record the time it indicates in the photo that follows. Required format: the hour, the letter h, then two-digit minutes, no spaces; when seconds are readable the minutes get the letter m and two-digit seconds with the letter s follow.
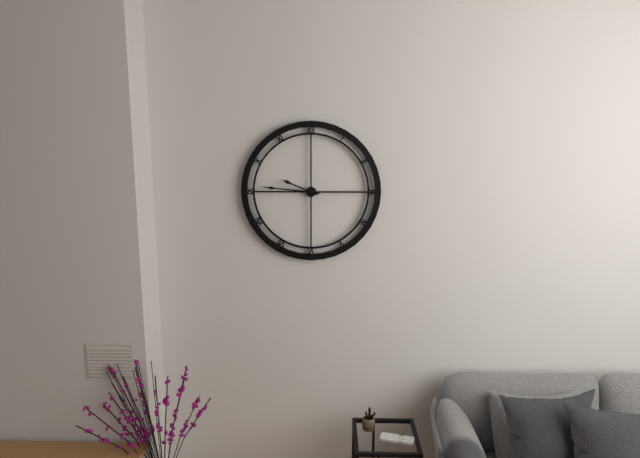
9h46
